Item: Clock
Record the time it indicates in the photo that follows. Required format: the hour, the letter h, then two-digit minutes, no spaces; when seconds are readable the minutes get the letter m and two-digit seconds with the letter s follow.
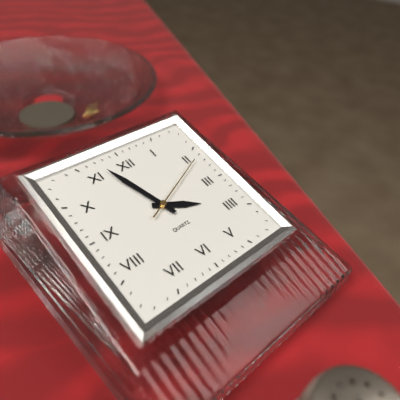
3h57m11s
